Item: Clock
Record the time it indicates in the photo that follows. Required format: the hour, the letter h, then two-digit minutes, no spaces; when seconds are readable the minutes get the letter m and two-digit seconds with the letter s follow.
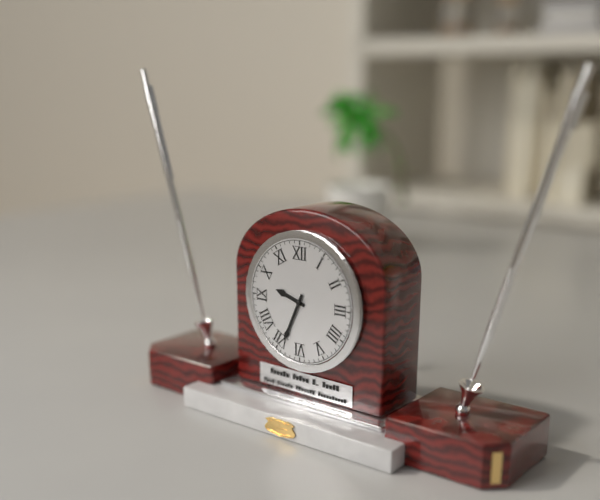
9h34
